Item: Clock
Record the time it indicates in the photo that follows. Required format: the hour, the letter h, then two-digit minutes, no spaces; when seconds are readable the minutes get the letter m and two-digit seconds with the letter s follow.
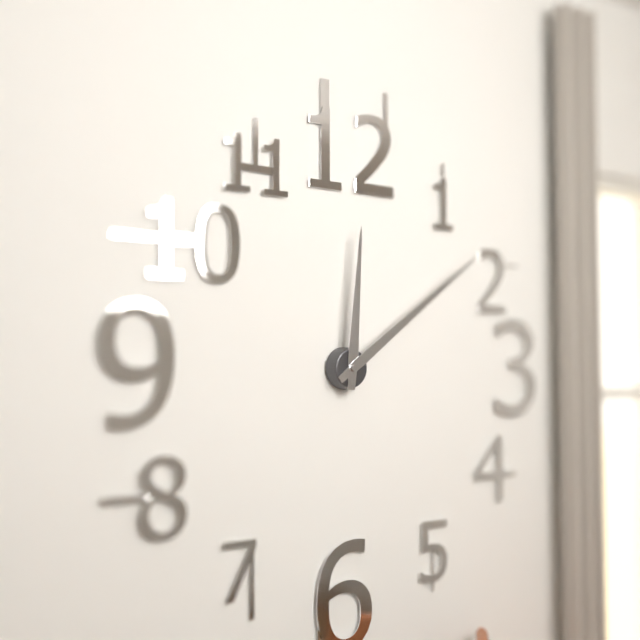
12h09
